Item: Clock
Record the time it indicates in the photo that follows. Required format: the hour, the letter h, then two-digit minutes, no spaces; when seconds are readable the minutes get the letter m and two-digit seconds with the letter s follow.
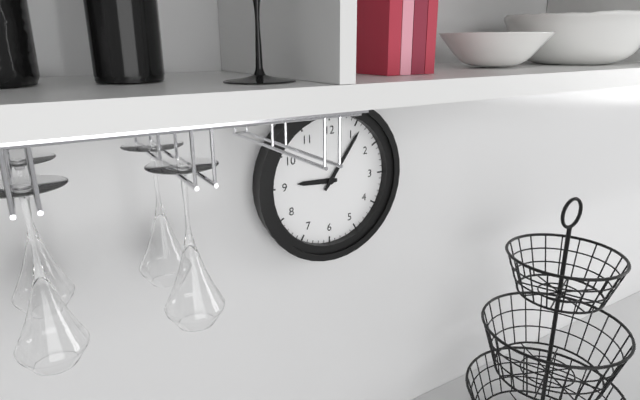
9h06
